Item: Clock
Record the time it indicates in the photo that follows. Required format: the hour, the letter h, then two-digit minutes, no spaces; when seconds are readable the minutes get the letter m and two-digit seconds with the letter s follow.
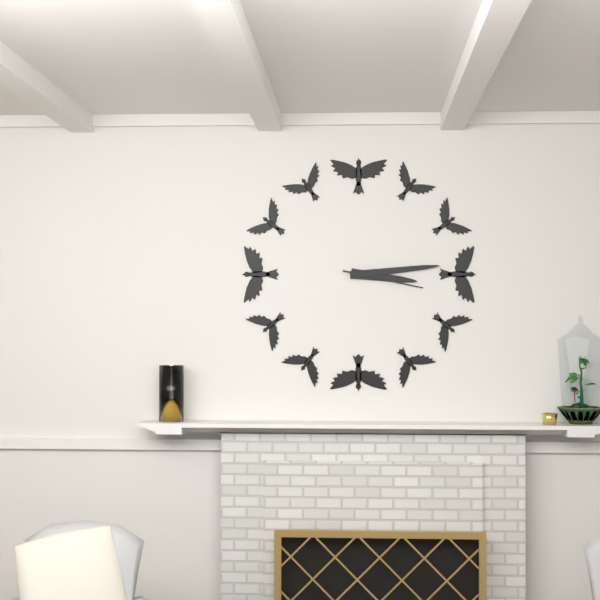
3h14m17s
